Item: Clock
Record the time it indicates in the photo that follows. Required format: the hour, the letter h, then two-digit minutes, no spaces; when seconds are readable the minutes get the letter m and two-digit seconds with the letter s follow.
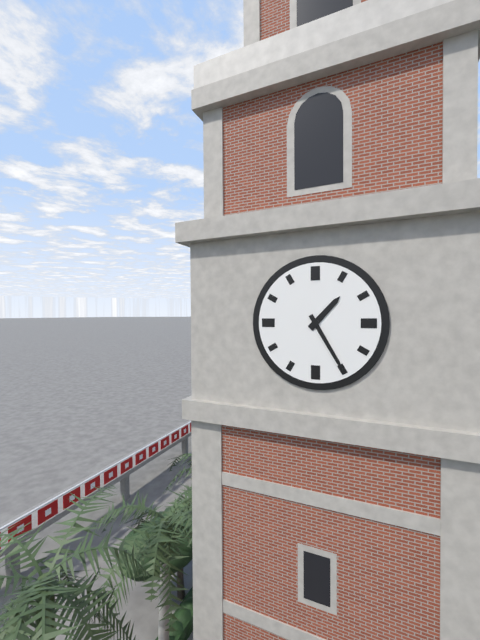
1h25
